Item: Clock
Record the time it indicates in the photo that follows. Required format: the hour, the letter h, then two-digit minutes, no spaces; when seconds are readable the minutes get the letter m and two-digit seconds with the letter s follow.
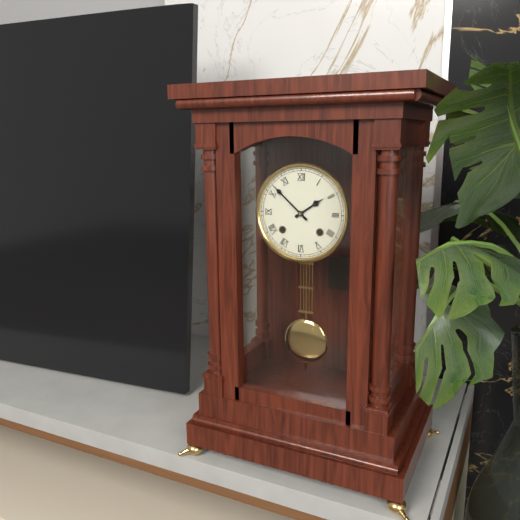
1h52
